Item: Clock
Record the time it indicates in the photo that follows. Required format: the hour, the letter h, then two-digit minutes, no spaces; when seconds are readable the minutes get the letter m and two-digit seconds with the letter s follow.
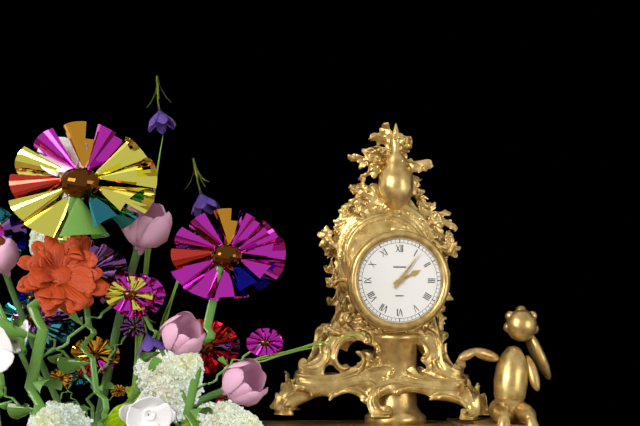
2h06
